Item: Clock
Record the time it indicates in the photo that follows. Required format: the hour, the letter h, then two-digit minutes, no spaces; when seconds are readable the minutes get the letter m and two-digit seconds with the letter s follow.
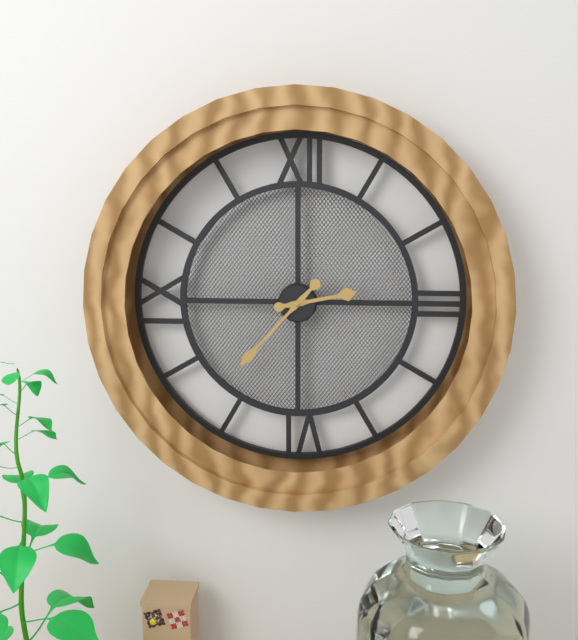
2h37
